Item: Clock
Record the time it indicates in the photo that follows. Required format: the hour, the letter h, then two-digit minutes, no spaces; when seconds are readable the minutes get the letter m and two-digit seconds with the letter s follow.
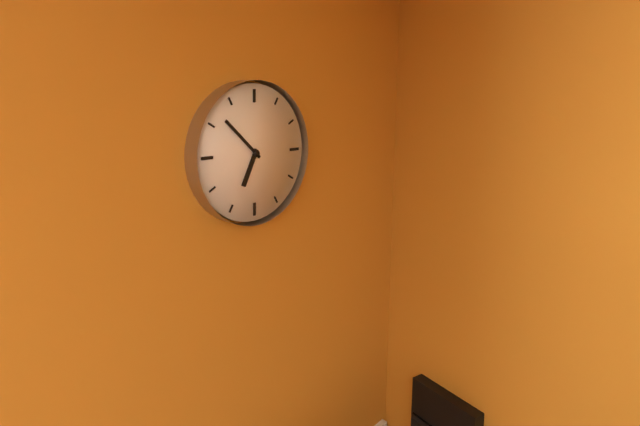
6h52
